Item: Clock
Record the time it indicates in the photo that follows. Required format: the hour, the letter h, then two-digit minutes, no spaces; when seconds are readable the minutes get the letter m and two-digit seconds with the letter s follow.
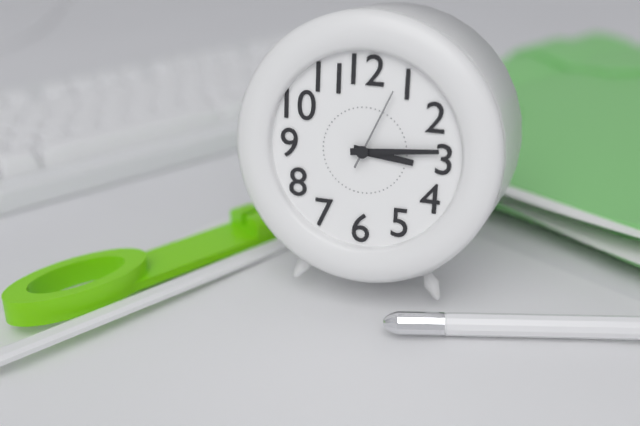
3h14m04s
